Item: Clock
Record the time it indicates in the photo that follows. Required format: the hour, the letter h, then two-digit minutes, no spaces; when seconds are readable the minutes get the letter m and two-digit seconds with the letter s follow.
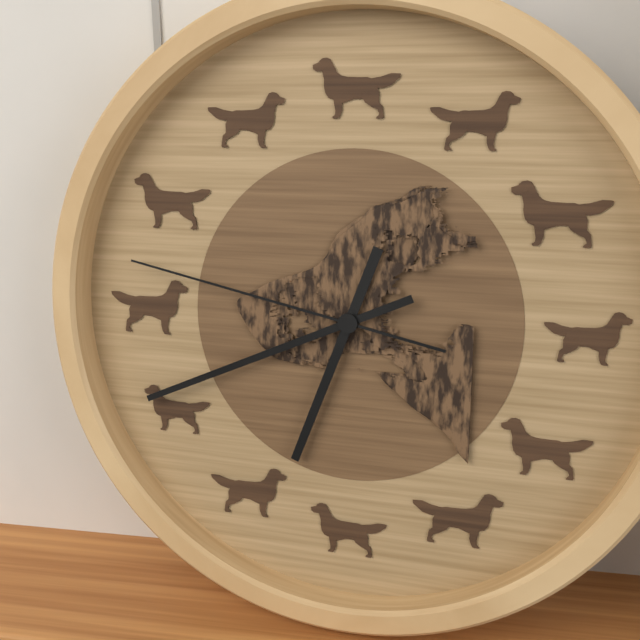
6h41m47s
